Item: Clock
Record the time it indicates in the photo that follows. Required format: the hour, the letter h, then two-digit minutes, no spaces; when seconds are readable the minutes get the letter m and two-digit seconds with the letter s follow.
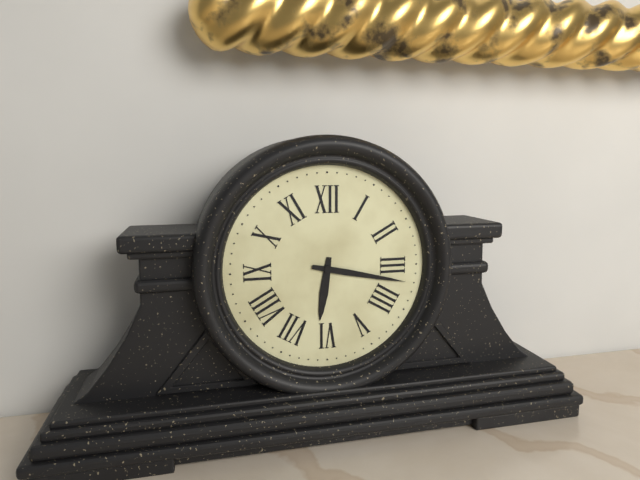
6h17
